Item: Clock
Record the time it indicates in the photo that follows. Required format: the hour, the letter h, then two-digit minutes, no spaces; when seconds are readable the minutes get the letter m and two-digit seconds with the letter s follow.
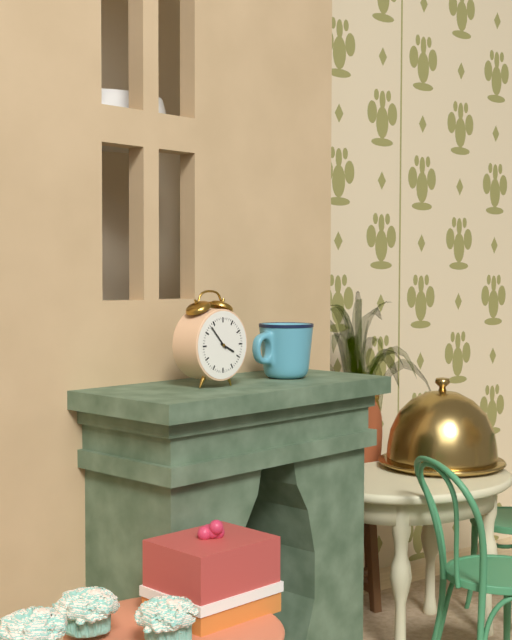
3h53
